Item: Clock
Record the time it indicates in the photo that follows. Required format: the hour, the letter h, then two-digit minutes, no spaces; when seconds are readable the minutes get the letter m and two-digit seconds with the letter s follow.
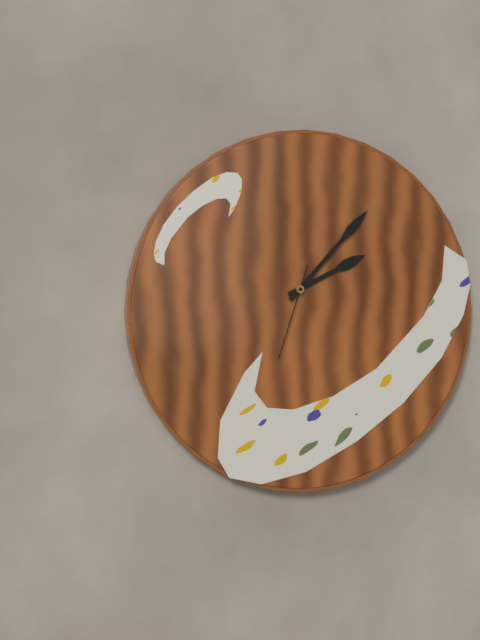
2h07m33s
